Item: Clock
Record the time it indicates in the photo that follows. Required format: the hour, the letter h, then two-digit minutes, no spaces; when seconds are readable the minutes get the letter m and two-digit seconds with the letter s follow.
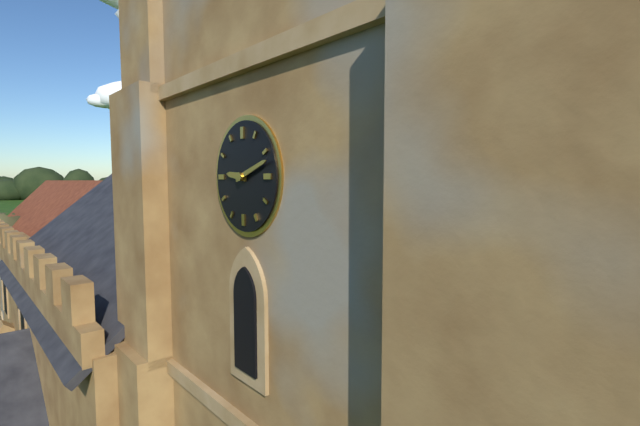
9h12
